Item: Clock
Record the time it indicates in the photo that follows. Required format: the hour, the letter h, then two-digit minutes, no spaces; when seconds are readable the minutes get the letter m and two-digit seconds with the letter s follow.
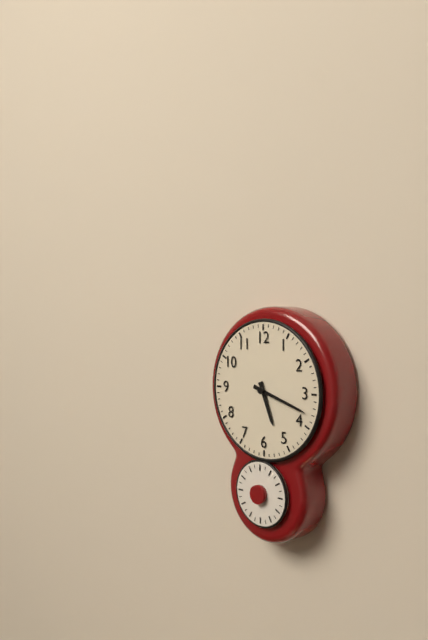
5h18
